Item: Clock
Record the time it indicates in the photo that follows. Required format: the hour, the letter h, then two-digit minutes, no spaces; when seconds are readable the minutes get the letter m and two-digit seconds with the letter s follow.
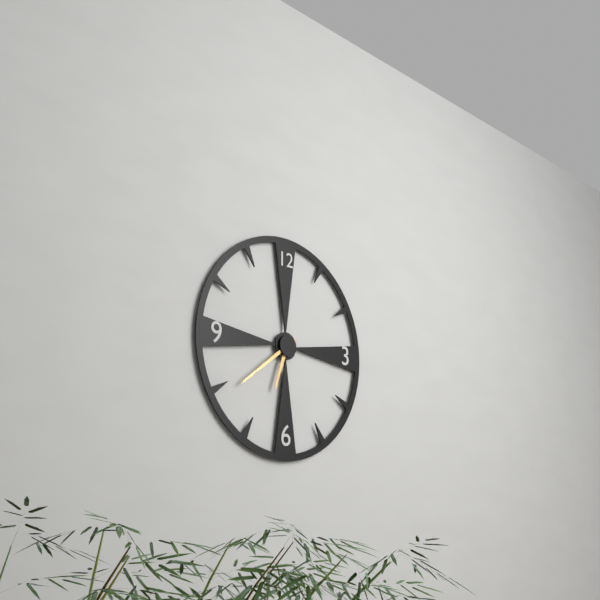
6h39
